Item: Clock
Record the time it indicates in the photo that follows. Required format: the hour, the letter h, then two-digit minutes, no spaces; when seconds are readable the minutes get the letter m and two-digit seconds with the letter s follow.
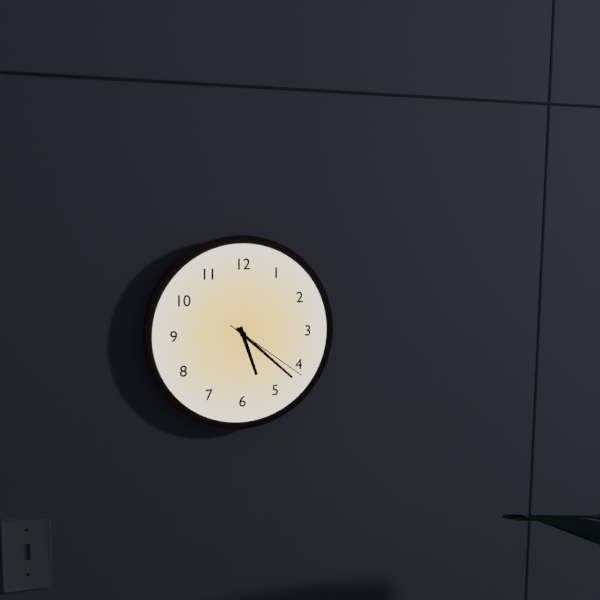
5h22m21s
